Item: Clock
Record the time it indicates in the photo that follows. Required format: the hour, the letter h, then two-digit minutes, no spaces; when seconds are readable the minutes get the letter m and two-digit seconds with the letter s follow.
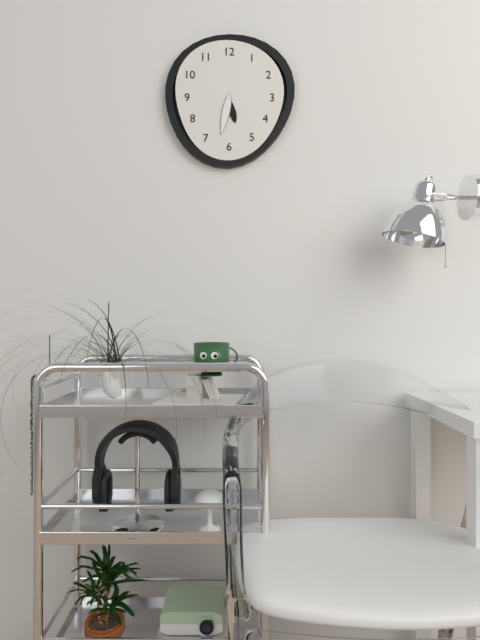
5h32
